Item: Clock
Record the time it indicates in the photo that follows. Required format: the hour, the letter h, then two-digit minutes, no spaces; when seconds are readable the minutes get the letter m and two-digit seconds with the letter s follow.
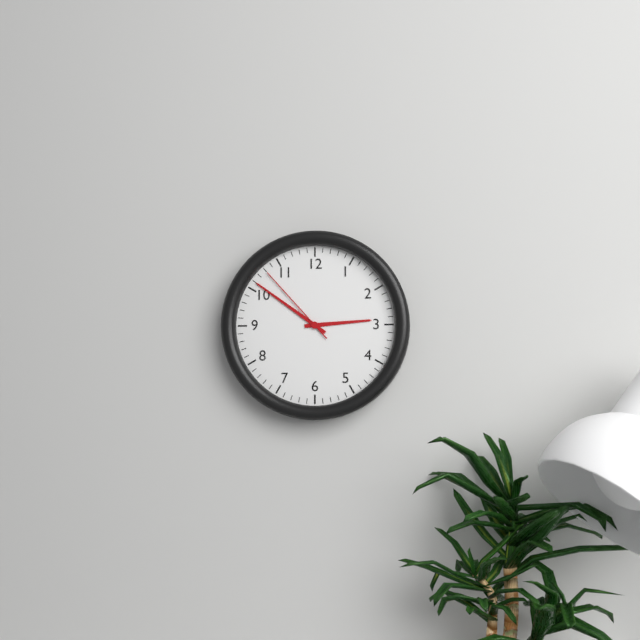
2h51m53s
